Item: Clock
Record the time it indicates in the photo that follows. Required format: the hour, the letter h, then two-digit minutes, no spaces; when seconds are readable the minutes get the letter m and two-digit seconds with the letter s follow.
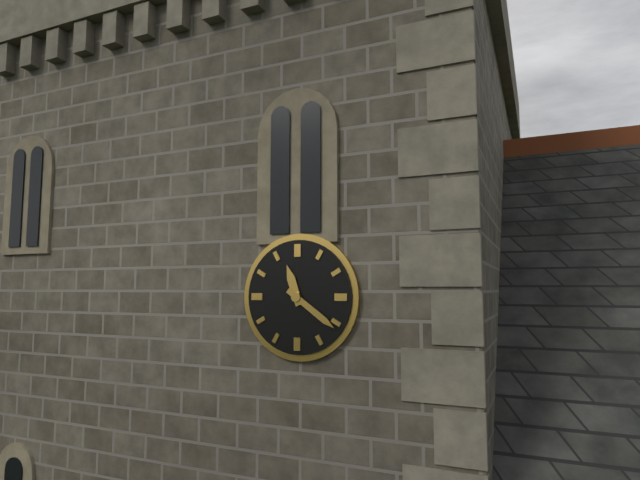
11h21
